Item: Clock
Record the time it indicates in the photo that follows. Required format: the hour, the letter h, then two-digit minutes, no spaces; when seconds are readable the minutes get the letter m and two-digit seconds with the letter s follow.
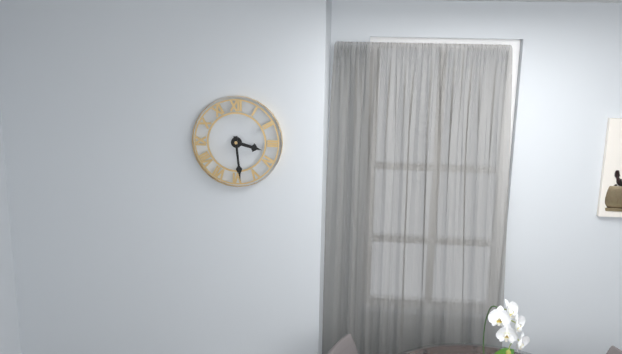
3h29
